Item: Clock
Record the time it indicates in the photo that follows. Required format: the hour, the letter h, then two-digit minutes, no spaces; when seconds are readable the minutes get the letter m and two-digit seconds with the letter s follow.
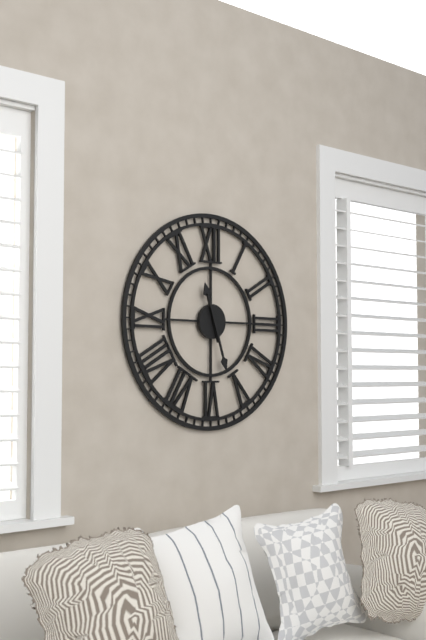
11h27
